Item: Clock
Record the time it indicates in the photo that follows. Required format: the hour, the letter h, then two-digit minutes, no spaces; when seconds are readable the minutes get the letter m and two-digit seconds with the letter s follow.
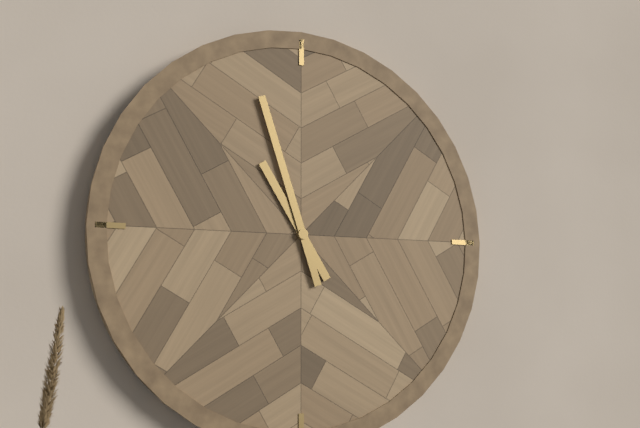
10h57
